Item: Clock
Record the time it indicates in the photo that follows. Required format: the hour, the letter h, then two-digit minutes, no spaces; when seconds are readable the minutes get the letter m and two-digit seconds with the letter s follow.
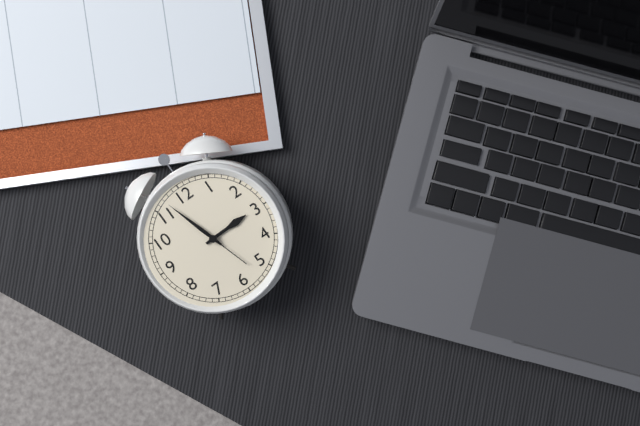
2h57m27s
